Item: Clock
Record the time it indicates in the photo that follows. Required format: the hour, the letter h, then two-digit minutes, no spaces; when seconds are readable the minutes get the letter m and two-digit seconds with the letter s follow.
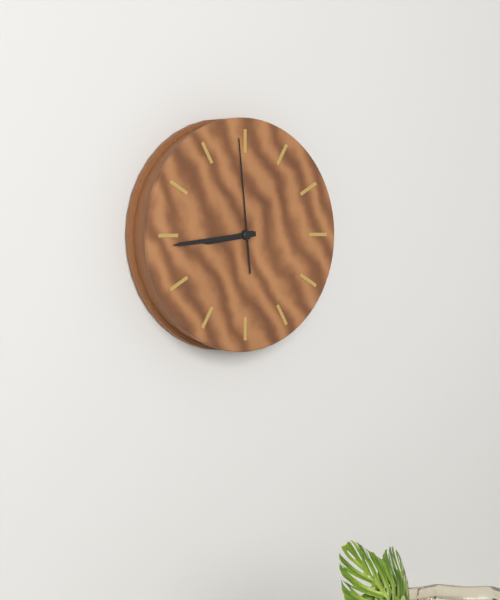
8h44m59s
